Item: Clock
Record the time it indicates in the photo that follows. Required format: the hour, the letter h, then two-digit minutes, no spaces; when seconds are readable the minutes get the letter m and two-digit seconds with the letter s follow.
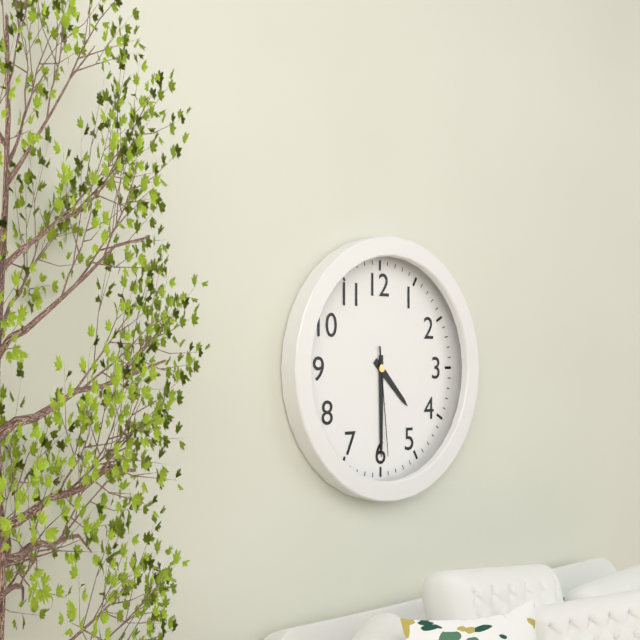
4h30m29s
